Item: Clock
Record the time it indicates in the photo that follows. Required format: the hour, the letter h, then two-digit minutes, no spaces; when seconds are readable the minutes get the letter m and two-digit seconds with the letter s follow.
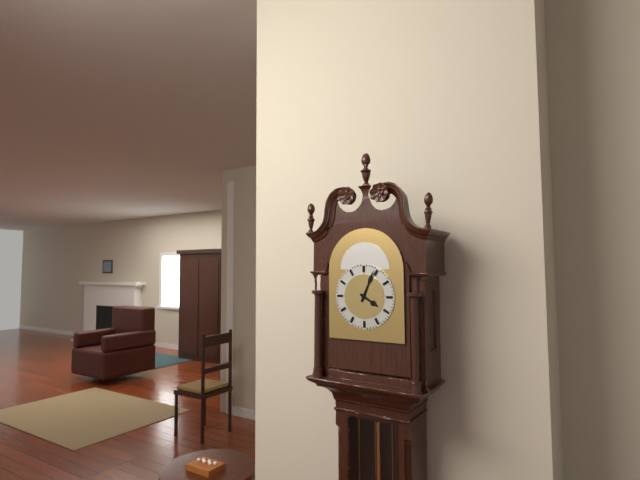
4h04
